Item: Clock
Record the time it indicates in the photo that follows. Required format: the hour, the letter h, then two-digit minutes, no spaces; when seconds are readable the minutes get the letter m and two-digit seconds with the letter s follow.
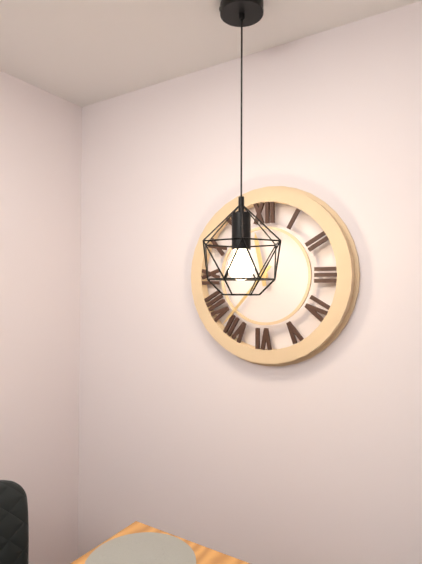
11h37
